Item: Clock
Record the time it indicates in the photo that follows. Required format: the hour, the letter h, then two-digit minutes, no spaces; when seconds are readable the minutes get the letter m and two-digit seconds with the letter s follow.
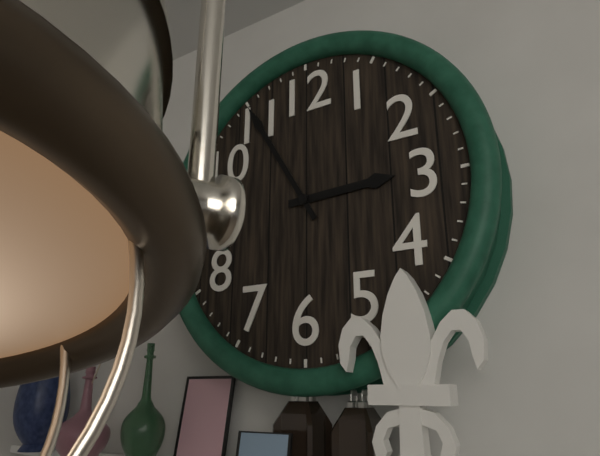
2h55
